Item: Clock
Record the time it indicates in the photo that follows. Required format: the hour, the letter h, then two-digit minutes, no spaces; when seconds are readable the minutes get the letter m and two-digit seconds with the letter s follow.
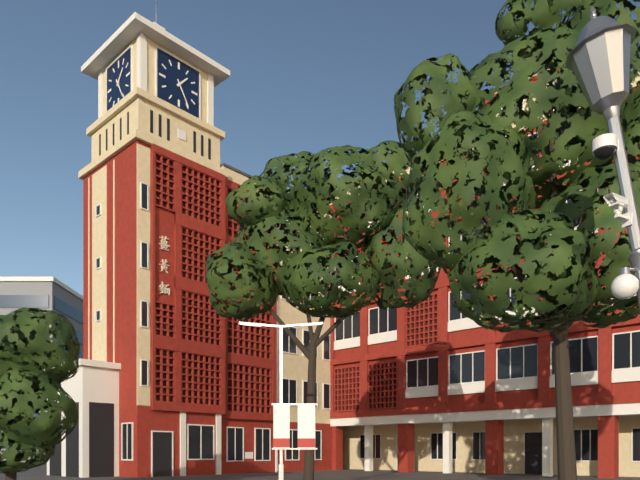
1h25
